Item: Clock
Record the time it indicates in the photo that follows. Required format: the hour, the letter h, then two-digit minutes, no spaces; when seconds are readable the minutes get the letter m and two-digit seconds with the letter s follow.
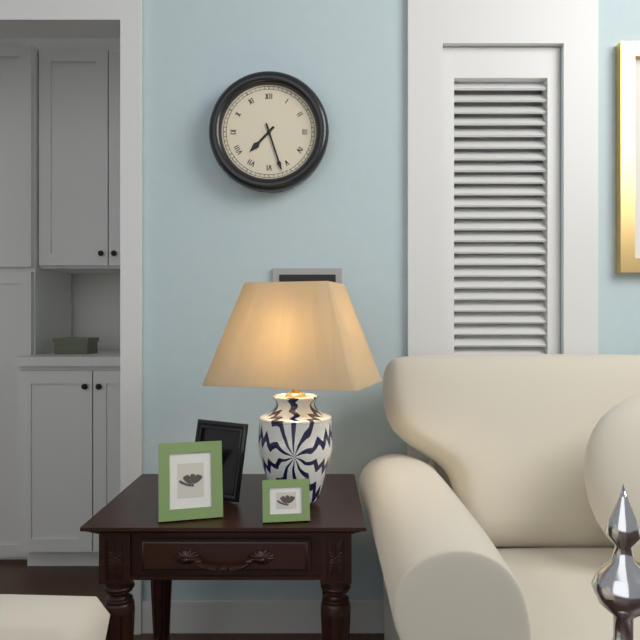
7h27
